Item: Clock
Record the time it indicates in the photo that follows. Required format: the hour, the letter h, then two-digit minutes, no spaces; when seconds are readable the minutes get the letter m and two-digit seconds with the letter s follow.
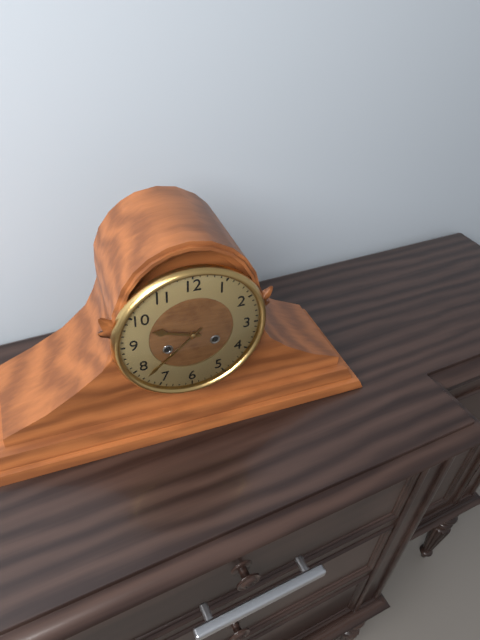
9h38
